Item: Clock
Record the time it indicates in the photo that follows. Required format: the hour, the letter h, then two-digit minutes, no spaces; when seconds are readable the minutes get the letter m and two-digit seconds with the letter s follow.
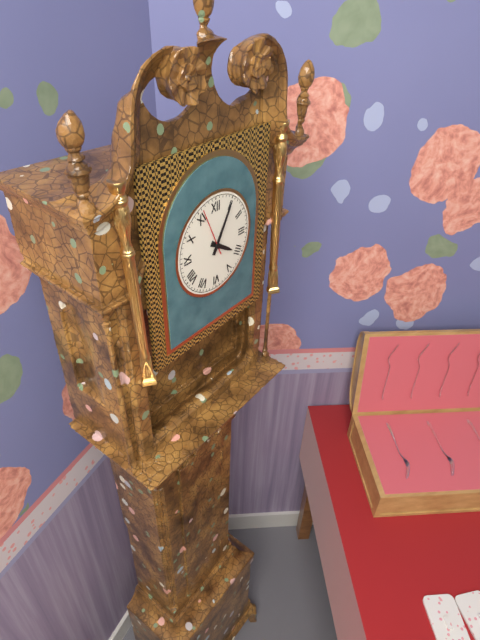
4h05
